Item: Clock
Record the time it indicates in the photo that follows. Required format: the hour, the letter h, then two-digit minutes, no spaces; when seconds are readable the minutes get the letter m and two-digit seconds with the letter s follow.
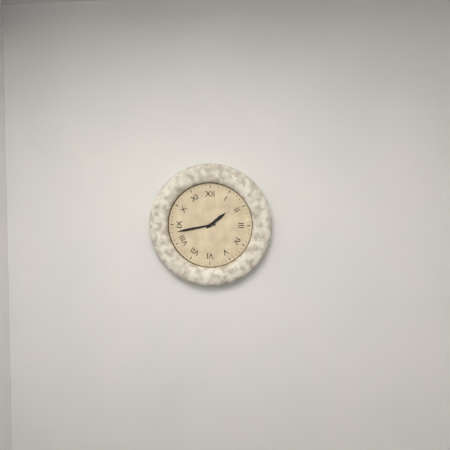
1h43
